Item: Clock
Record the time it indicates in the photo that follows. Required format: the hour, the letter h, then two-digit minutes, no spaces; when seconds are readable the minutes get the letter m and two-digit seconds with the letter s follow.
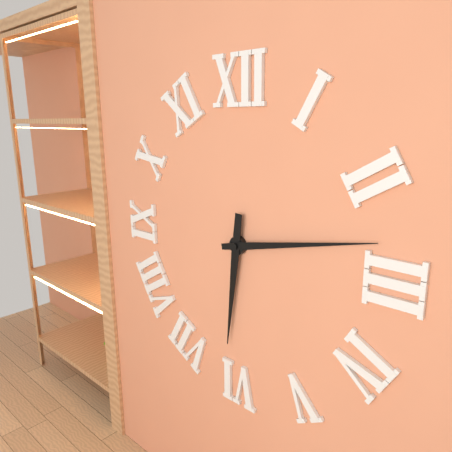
6h13
